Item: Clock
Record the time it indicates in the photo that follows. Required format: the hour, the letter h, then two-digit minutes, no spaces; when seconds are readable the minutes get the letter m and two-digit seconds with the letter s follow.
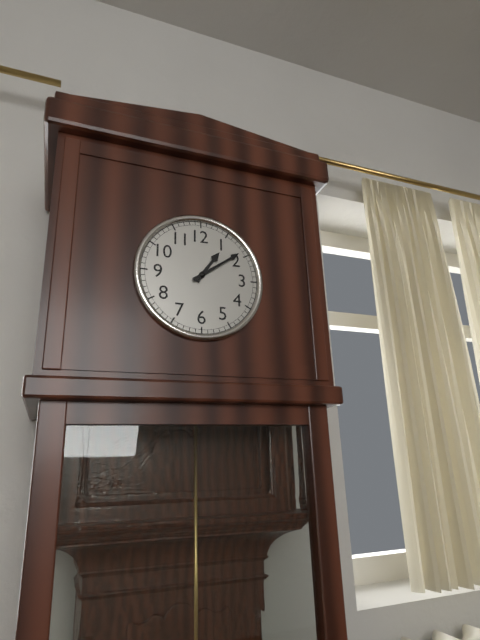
1h09
